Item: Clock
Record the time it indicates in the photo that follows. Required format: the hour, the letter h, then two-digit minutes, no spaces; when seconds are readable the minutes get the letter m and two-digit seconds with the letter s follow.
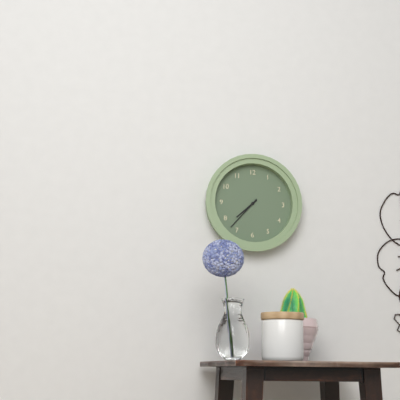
7h37
